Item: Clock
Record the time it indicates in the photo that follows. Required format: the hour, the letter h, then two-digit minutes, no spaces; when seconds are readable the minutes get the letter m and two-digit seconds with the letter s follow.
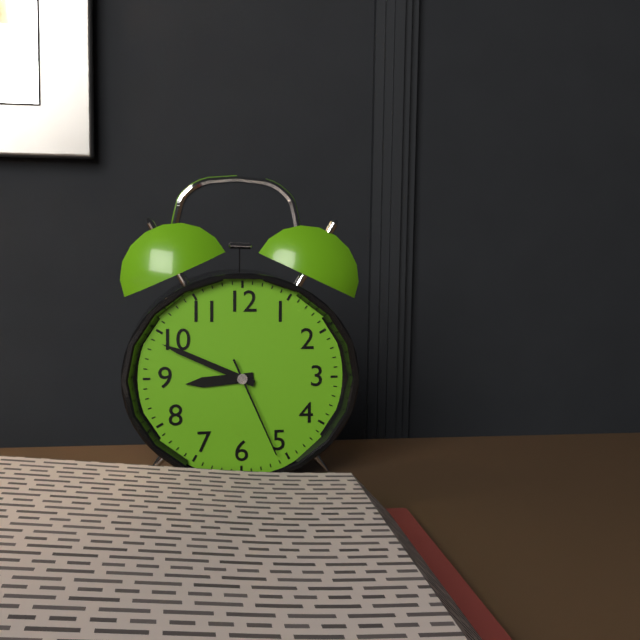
8h49m26s
